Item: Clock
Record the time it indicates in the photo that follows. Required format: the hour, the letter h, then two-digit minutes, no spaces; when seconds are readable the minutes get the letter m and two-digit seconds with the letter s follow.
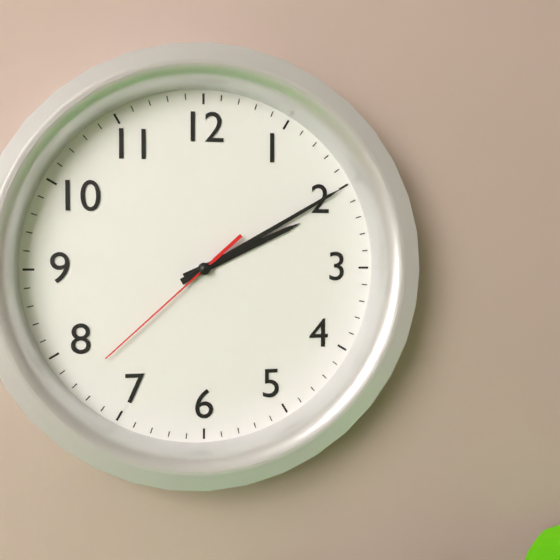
2h10m38s
